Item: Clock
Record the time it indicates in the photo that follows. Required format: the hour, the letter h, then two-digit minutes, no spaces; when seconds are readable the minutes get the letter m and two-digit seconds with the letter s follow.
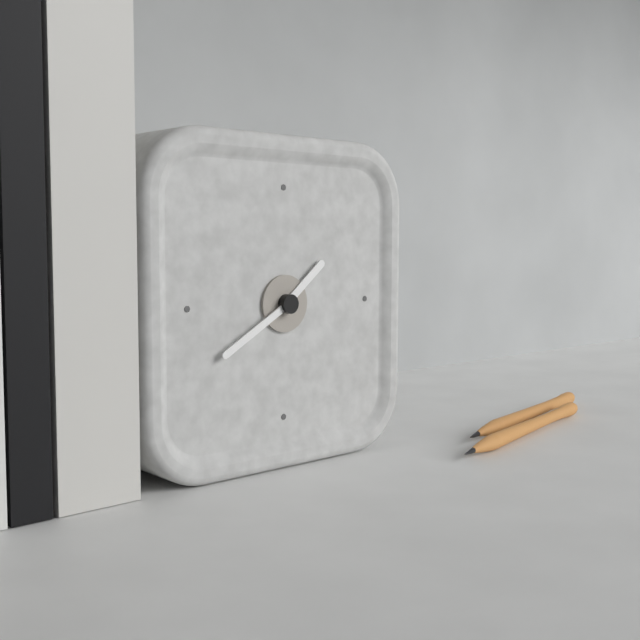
1h40
